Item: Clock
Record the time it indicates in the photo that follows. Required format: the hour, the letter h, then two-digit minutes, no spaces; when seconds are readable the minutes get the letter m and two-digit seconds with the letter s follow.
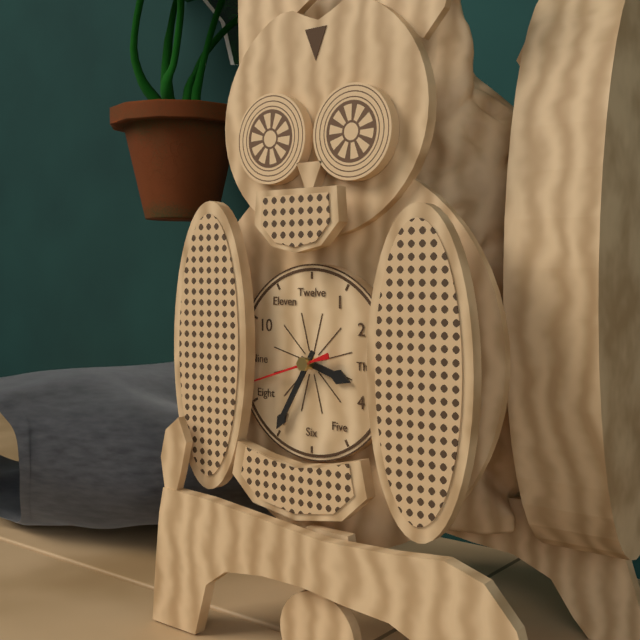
3h35m42s
